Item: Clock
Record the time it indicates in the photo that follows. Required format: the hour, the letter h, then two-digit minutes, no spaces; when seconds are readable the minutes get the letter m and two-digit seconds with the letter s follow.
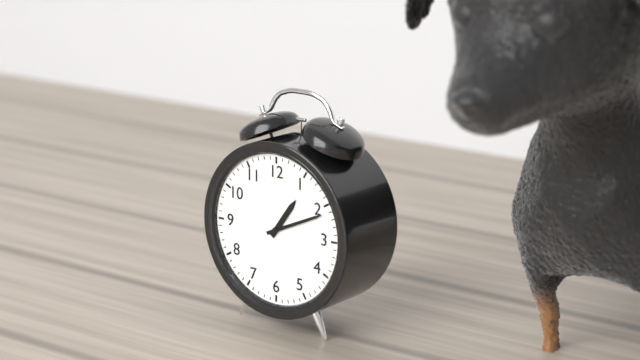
1h11
